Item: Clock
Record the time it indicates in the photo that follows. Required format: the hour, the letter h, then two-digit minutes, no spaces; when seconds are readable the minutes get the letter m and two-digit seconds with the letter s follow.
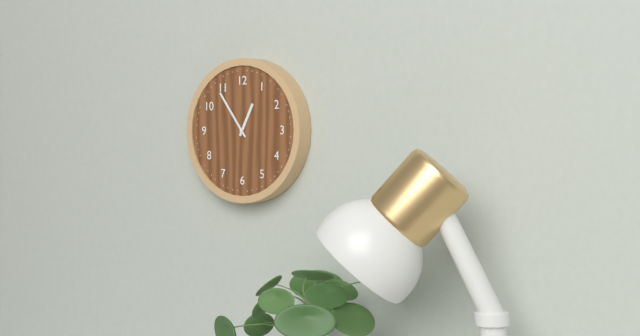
12h54
